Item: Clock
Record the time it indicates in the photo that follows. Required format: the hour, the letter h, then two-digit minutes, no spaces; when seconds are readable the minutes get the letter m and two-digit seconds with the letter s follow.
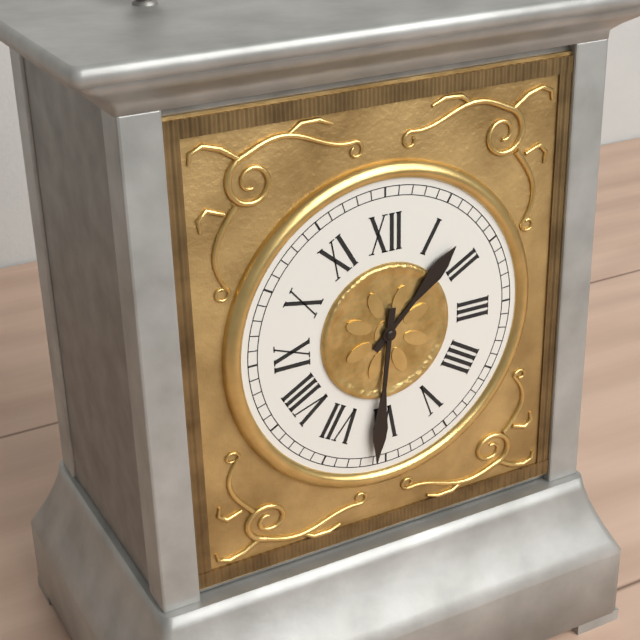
1h31
